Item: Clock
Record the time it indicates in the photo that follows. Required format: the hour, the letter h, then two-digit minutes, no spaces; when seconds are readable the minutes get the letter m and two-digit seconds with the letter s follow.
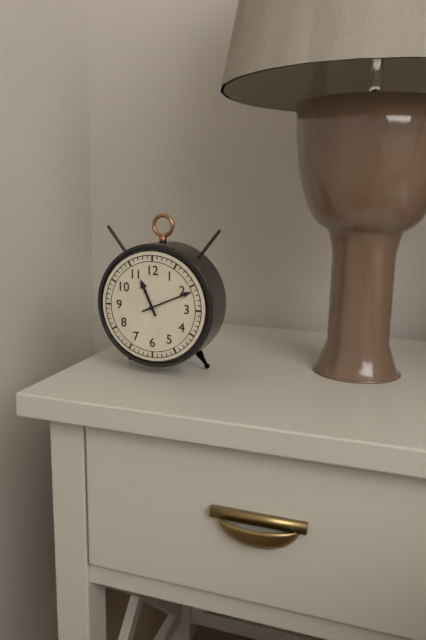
11h11
